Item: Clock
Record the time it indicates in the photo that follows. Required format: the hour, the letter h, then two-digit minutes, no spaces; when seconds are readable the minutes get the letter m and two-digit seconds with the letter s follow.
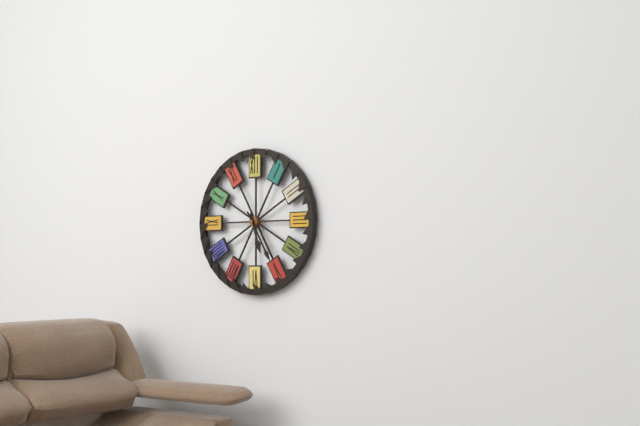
5h25
